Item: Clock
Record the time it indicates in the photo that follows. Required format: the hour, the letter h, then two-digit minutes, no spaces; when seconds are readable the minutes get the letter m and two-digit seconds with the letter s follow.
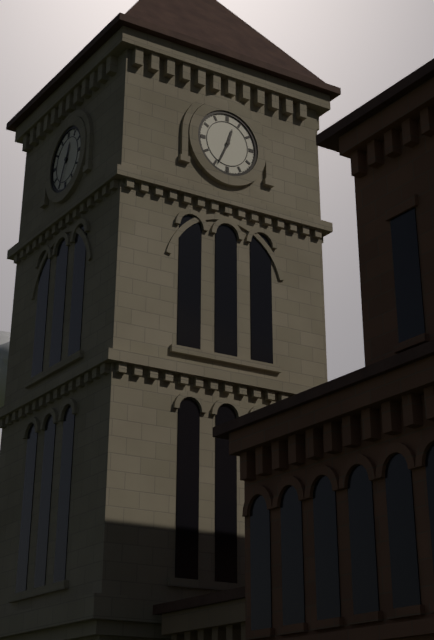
12h34
